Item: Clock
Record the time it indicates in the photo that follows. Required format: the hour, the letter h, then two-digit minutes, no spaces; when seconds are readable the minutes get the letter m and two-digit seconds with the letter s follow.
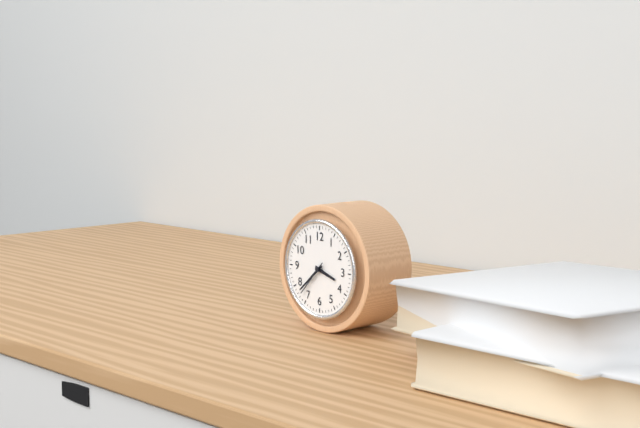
3h38
